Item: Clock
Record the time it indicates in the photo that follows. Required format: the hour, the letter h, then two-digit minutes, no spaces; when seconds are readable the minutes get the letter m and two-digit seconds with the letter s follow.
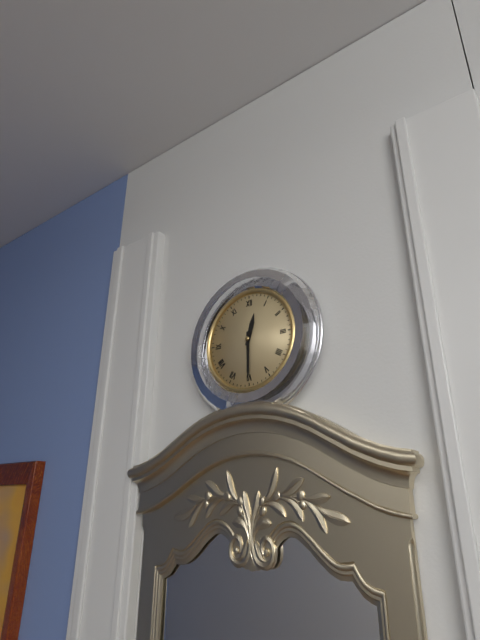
12h30
